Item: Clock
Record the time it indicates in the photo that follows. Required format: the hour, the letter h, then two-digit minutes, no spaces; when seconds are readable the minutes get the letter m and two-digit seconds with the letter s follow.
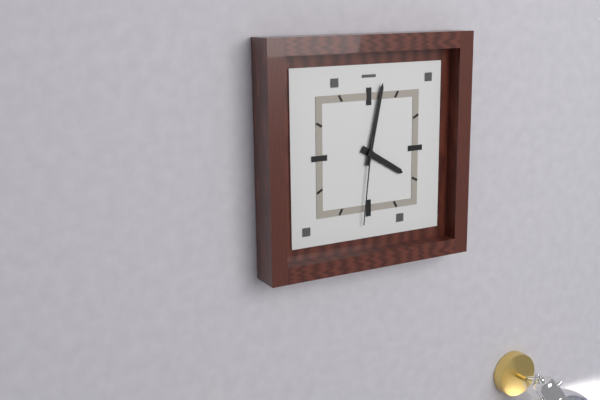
4h02m31s
